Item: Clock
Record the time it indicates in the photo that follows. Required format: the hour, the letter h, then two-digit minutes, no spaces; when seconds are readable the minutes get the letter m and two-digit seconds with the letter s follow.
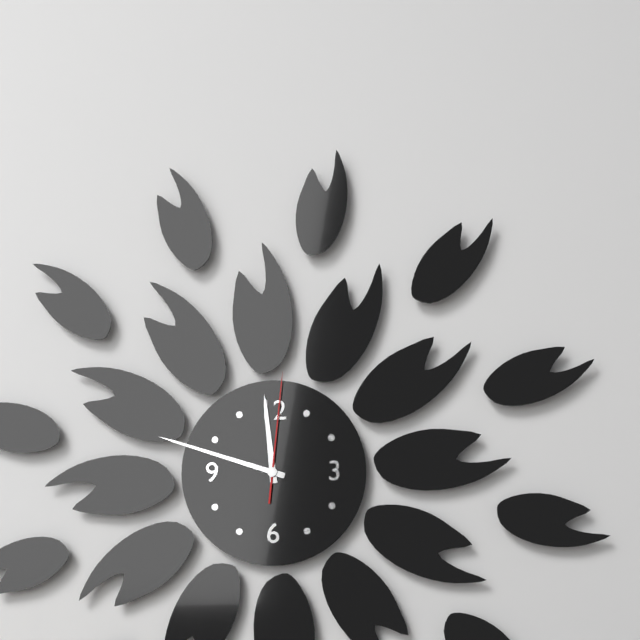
11h48m01s
